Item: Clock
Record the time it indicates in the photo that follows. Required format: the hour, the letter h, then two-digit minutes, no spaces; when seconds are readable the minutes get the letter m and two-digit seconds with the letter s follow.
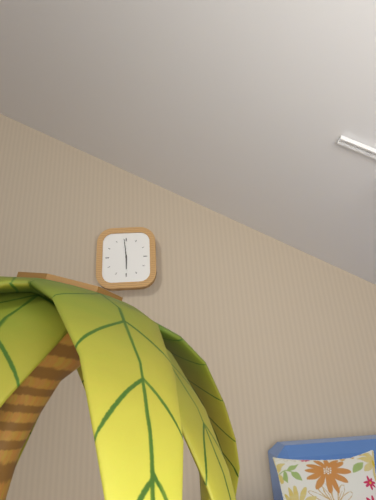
5h59
